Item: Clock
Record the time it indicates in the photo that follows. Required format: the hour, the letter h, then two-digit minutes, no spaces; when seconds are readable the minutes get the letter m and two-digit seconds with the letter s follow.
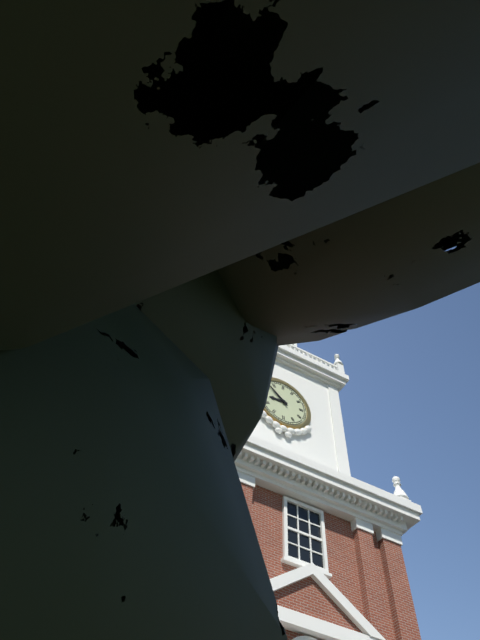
8h52
